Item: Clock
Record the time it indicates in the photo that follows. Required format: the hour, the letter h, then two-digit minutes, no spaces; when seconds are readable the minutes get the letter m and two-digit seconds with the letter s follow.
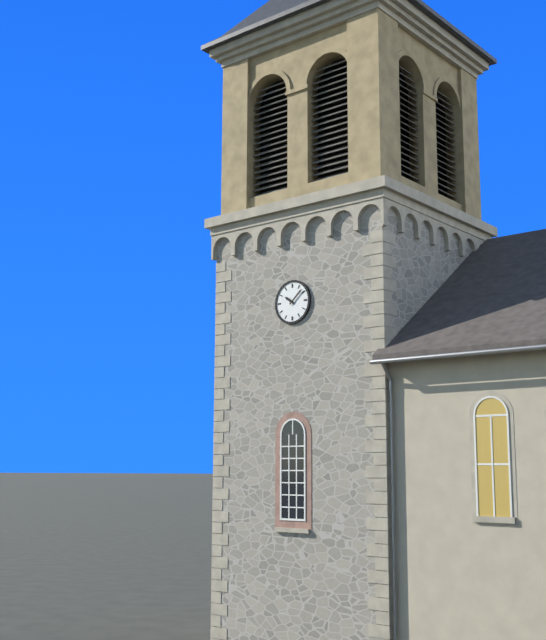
10h08
